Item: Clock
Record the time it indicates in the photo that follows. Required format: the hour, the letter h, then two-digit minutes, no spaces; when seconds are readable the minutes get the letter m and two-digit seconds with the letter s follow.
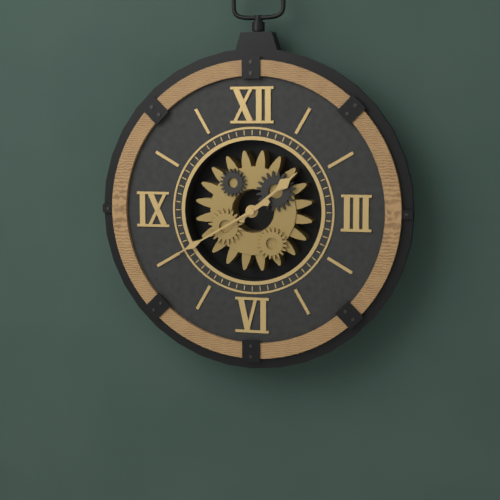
1h40
